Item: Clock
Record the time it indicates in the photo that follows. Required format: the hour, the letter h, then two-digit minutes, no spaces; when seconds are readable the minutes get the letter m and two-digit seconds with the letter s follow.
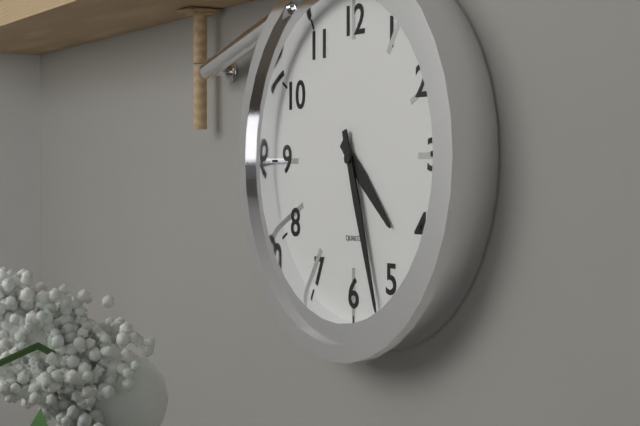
4h27
